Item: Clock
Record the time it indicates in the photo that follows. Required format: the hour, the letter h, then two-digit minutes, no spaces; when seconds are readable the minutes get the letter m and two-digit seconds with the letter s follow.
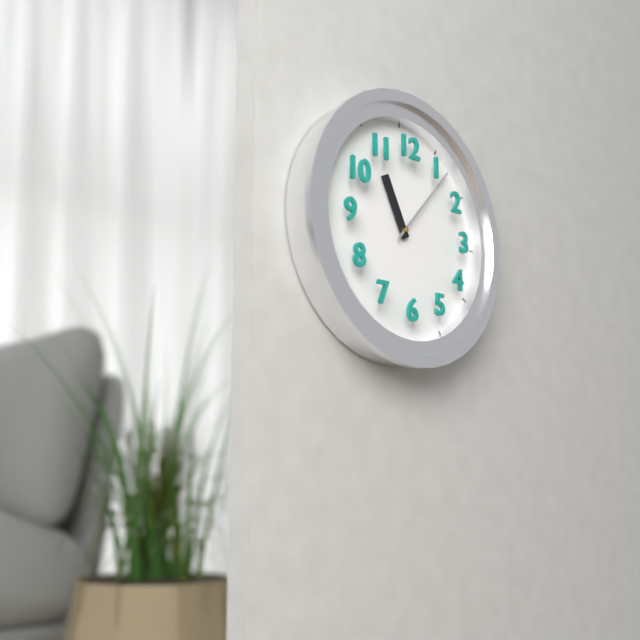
11h07
